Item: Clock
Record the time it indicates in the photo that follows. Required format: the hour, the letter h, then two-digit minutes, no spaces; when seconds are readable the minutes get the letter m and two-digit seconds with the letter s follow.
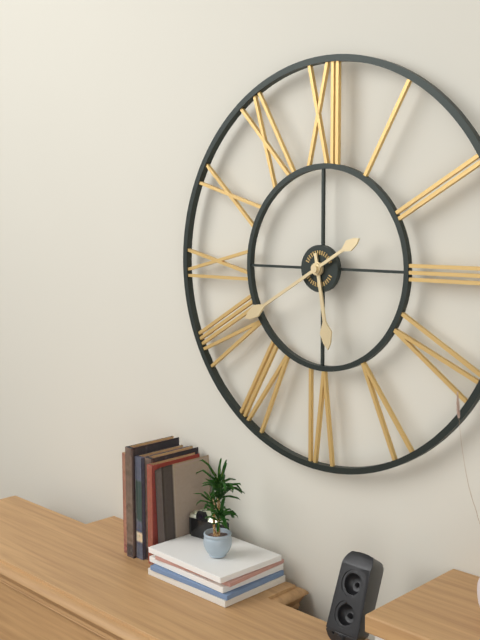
5h40
